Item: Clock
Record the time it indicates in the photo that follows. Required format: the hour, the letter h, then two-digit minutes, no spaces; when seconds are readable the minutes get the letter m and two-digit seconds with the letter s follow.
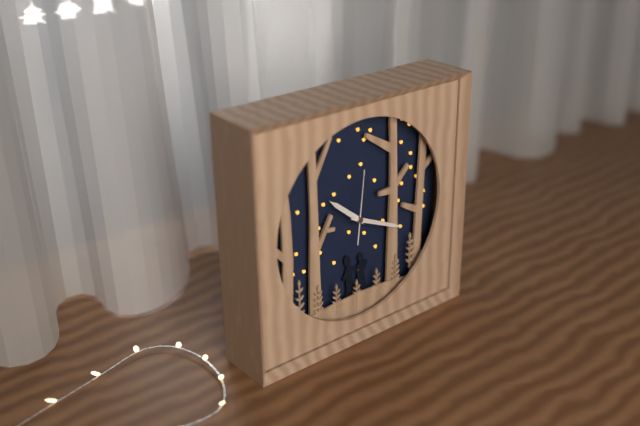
10h19m01s
